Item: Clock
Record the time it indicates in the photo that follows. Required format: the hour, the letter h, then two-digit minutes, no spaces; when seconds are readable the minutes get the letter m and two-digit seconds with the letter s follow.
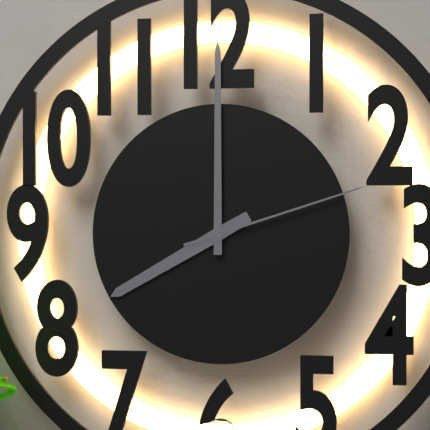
8h00m12s
